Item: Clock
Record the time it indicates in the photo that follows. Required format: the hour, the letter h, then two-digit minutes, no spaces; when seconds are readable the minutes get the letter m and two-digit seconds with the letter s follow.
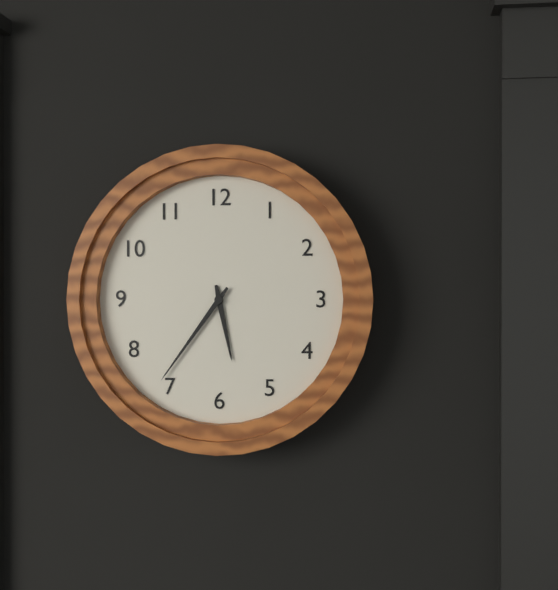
5h36
